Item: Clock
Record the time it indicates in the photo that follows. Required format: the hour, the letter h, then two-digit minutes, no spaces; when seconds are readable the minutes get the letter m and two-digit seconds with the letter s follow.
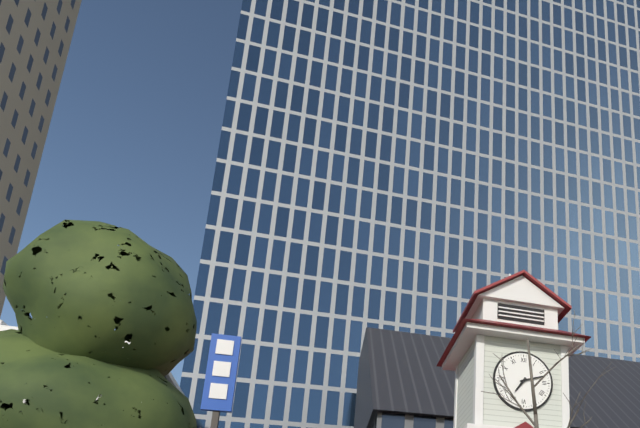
7h12
